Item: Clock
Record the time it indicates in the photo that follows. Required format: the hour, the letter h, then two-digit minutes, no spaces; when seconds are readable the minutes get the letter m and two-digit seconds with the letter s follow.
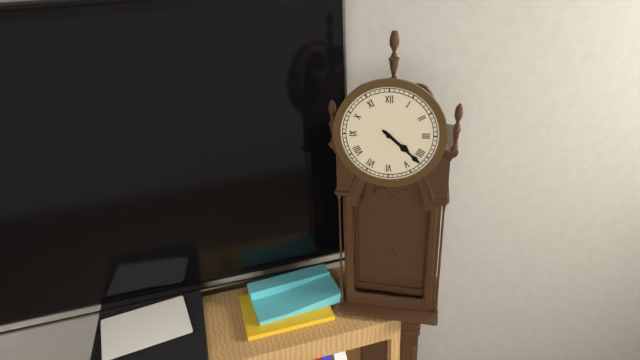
4h22
